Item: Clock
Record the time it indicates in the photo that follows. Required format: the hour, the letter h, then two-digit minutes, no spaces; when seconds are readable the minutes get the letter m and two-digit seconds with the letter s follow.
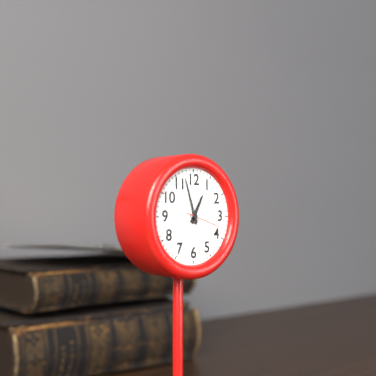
12h57m18s
